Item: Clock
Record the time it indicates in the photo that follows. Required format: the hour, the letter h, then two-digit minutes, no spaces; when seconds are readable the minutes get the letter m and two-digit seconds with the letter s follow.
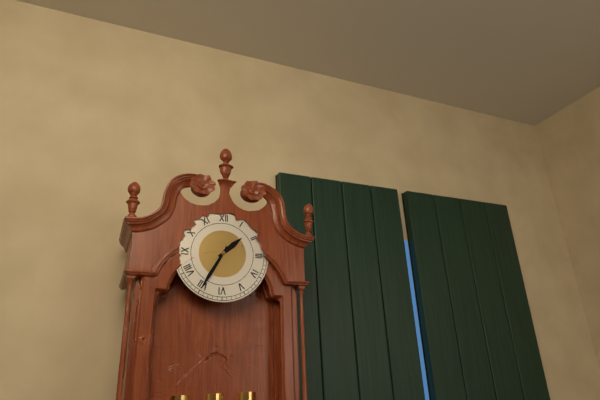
1h35
